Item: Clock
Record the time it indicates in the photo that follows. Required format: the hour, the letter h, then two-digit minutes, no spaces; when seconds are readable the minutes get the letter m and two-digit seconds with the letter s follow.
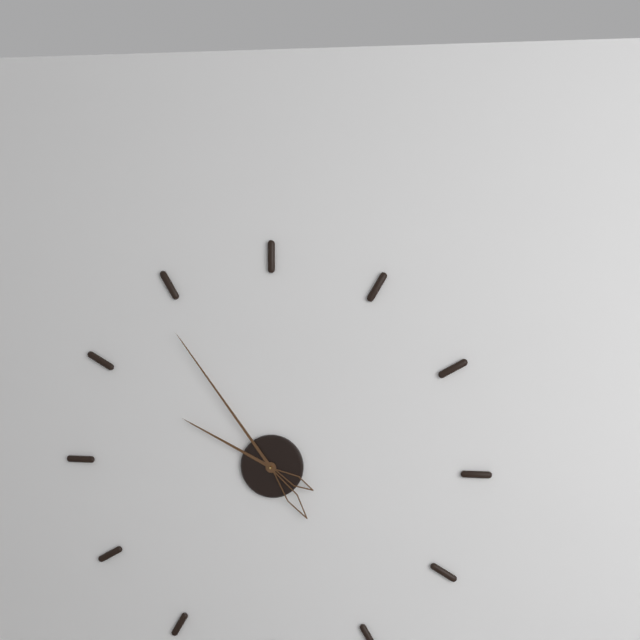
9h54
